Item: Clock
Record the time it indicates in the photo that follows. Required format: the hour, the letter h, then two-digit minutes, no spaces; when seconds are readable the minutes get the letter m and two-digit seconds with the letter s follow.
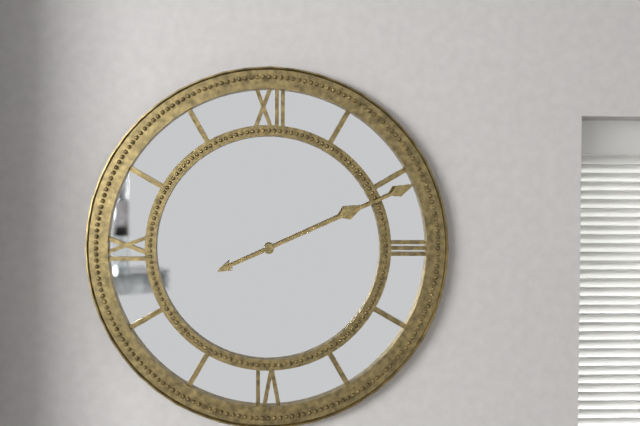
2h11
